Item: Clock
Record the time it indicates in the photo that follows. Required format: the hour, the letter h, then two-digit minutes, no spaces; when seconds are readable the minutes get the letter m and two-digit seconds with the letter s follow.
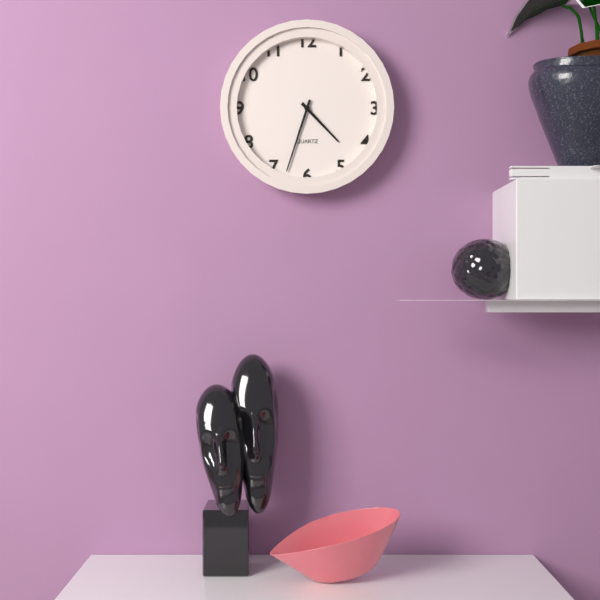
4h33
